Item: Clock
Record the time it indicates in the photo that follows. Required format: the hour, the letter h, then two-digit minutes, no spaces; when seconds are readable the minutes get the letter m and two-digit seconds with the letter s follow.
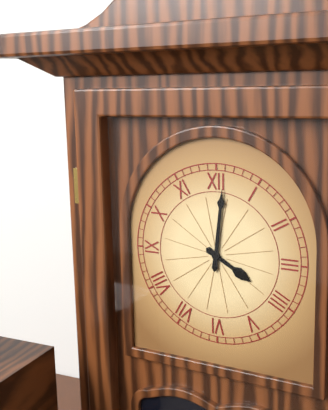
4h01
